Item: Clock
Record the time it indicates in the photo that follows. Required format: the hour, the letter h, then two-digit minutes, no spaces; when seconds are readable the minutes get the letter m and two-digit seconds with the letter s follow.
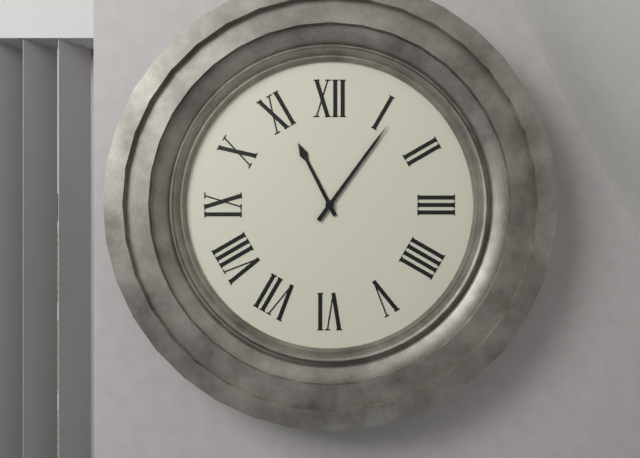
11h06
